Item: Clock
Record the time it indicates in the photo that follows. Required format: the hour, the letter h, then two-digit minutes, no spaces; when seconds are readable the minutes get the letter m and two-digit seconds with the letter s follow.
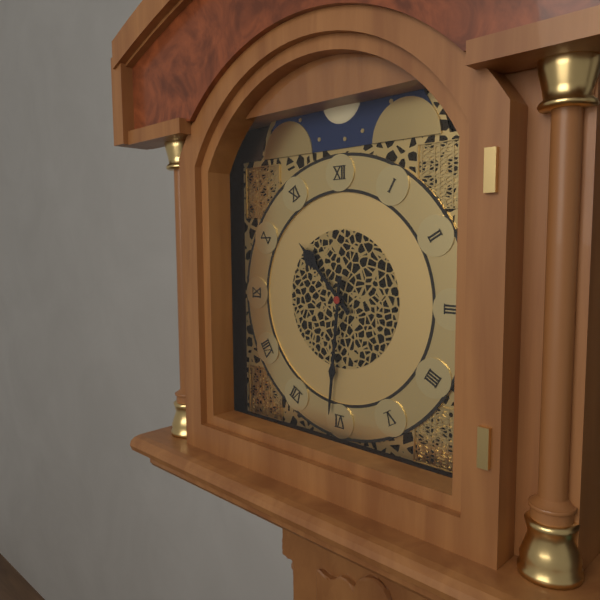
10h31
